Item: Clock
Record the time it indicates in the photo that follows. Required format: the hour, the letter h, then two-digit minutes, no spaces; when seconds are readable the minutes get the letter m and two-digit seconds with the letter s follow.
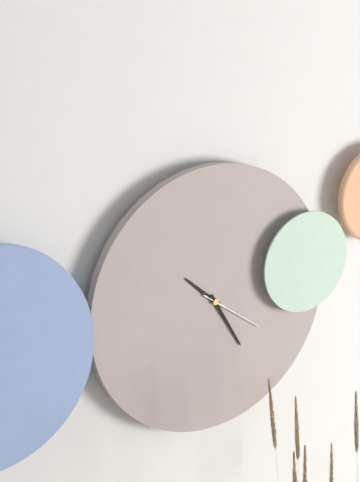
10h25m21s
